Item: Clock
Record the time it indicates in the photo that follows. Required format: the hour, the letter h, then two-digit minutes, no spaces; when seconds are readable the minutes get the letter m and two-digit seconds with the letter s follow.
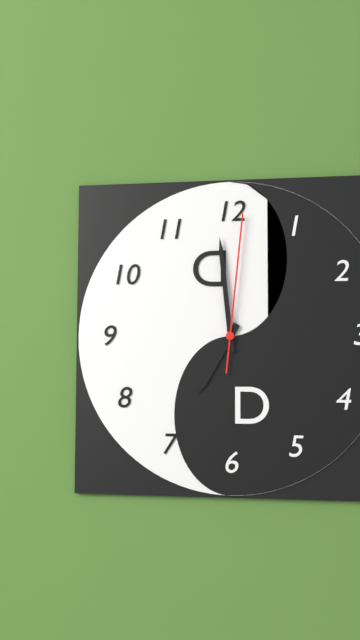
6h59m01s
